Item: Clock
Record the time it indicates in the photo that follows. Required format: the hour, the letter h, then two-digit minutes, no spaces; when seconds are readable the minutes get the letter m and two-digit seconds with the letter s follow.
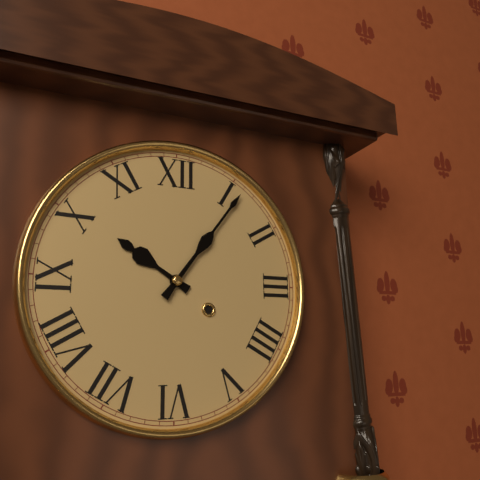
10h06
